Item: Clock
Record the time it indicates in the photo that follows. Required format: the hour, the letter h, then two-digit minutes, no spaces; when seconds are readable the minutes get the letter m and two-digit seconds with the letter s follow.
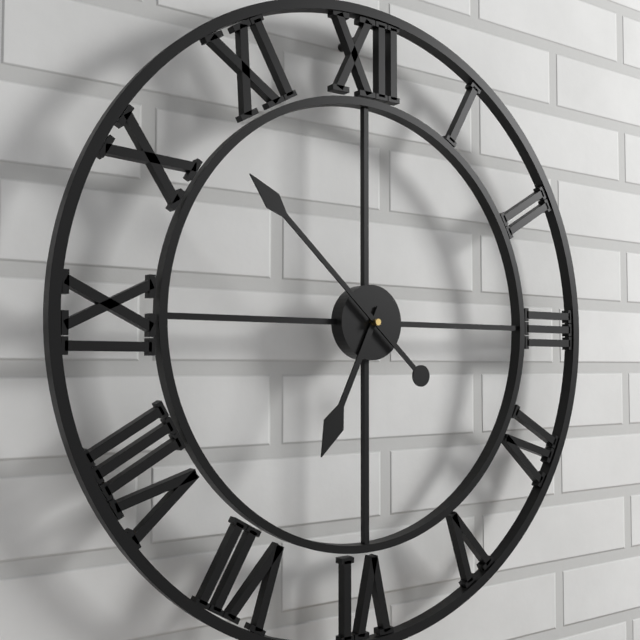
6h52
